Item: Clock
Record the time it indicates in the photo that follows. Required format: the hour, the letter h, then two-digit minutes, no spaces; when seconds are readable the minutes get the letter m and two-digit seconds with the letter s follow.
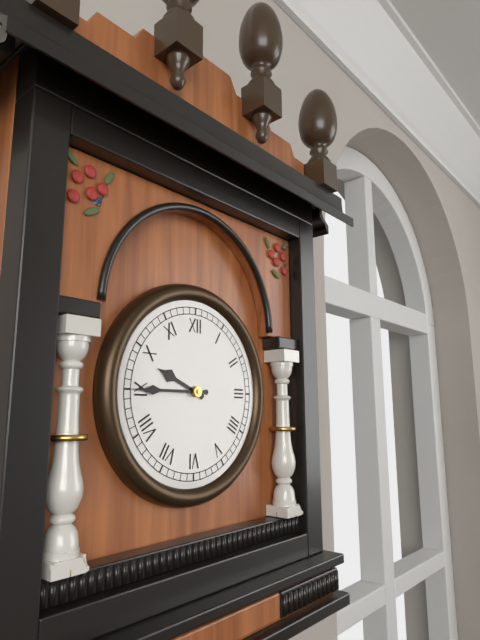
9h45
